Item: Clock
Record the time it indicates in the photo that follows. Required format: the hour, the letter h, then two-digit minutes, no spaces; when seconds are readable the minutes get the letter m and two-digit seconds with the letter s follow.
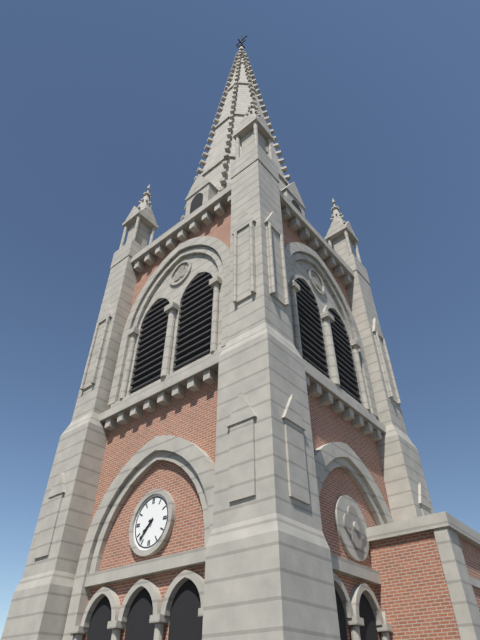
7h37
